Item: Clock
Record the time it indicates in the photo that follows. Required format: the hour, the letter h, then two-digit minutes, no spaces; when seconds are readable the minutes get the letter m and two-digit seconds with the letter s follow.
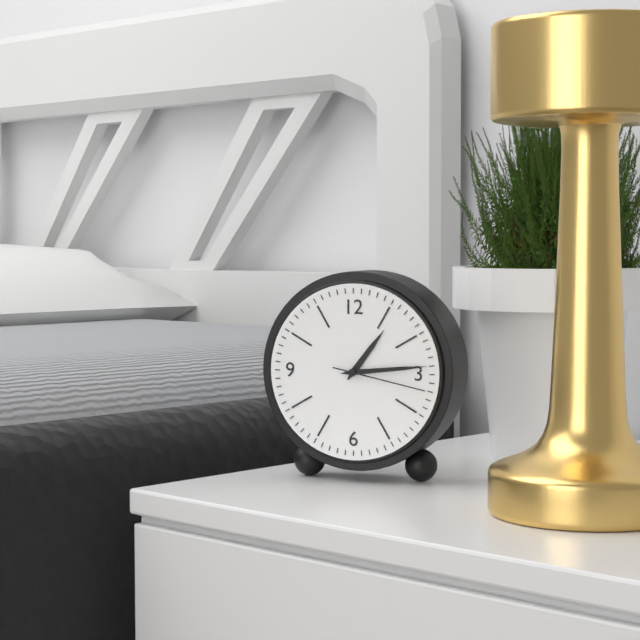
1h14m17s
